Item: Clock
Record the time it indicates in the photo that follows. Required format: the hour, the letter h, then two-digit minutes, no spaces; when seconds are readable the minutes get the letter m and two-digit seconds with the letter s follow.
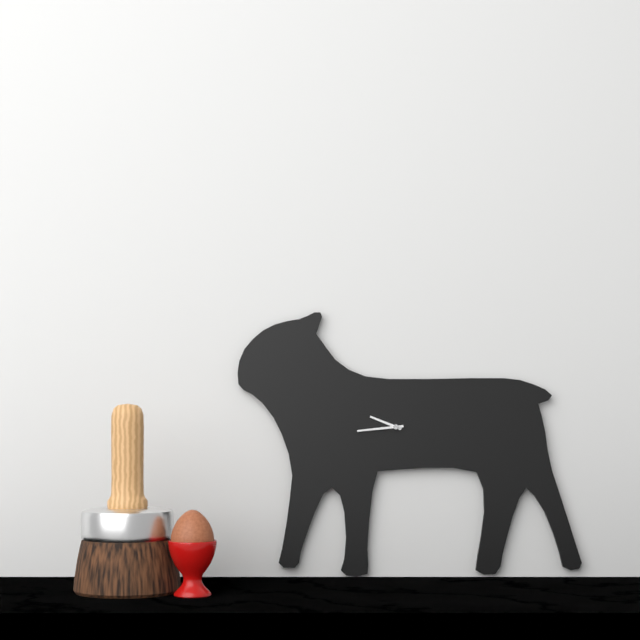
9h44
